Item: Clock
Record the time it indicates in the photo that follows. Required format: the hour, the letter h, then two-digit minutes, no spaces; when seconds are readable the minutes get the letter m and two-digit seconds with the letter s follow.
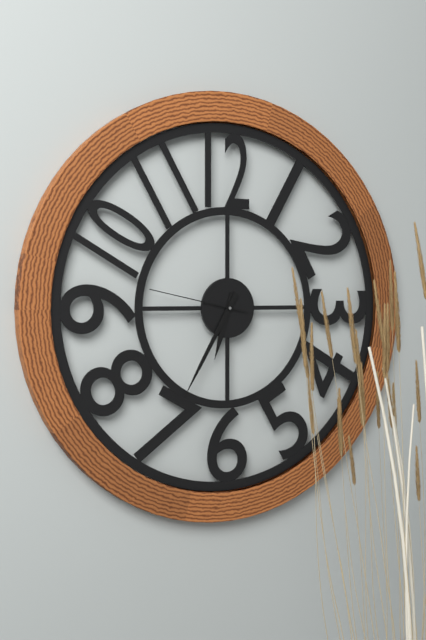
6h35m47s
